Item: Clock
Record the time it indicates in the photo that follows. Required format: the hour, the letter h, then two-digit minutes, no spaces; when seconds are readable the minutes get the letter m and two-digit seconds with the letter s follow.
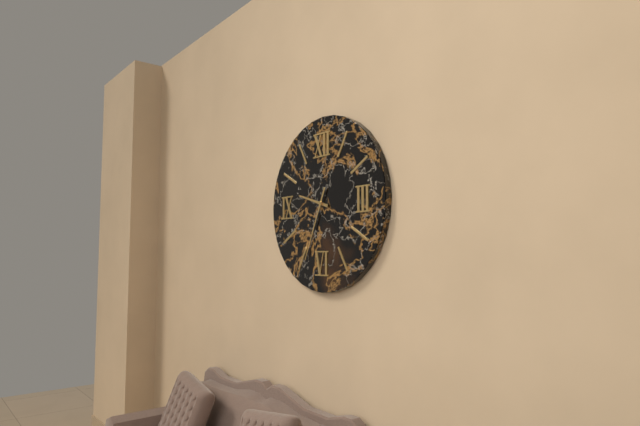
9h34
